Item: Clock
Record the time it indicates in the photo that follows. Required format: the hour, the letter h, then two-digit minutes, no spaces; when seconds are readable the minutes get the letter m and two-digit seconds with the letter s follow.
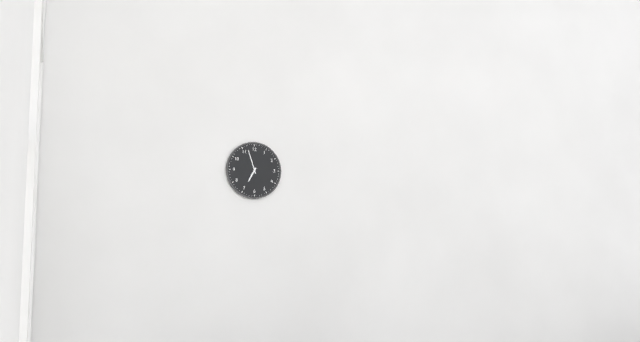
6h57
